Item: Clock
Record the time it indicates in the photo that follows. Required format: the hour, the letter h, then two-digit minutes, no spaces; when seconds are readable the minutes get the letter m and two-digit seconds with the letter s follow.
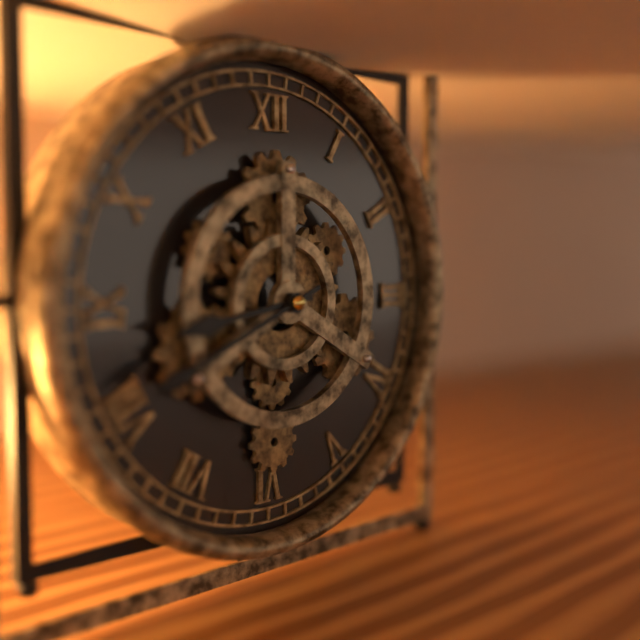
8h41
